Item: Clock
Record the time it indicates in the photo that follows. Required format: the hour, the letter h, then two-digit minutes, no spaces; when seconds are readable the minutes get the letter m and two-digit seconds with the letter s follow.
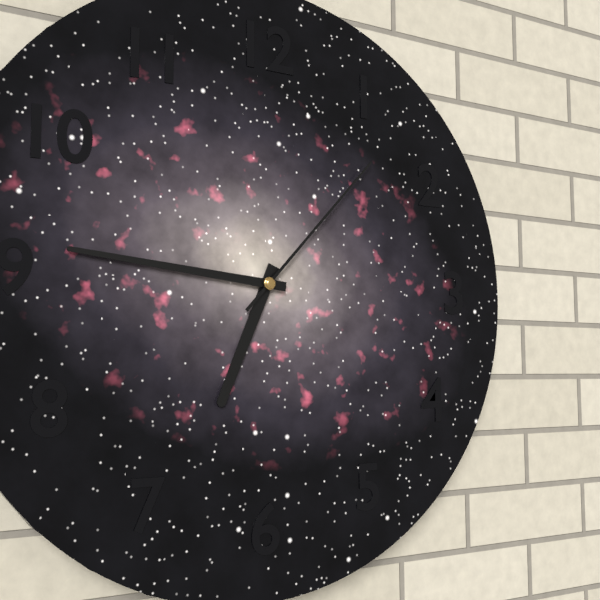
6h46m07s
